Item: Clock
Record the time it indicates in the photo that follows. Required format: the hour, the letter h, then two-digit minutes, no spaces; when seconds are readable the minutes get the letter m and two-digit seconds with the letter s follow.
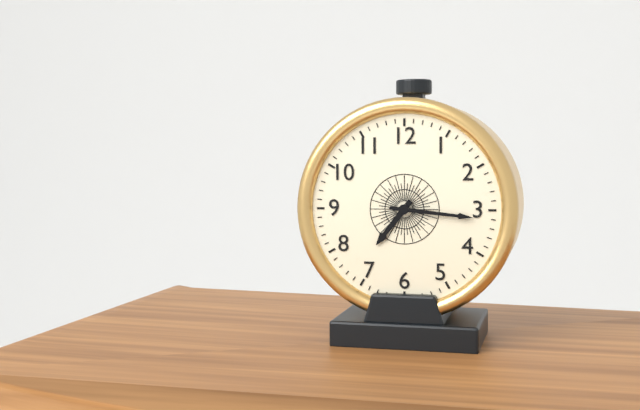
7h16
